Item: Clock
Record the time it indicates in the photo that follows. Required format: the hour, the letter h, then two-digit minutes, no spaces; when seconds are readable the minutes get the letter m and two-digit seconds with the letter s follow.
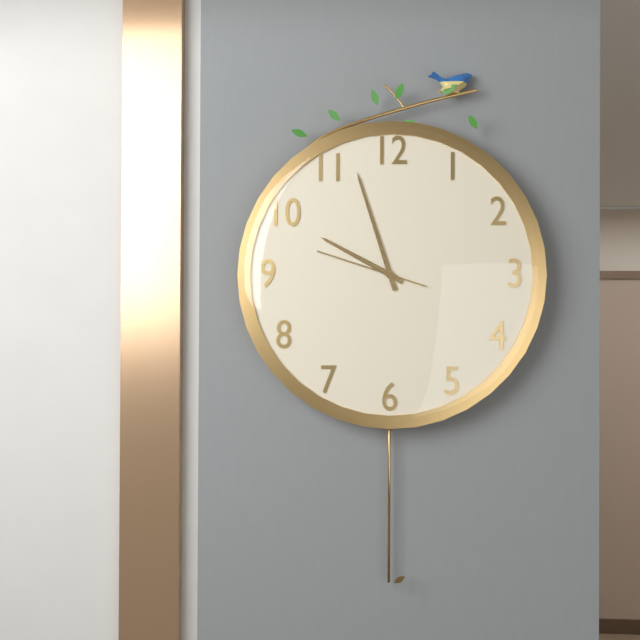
9h57m48s
